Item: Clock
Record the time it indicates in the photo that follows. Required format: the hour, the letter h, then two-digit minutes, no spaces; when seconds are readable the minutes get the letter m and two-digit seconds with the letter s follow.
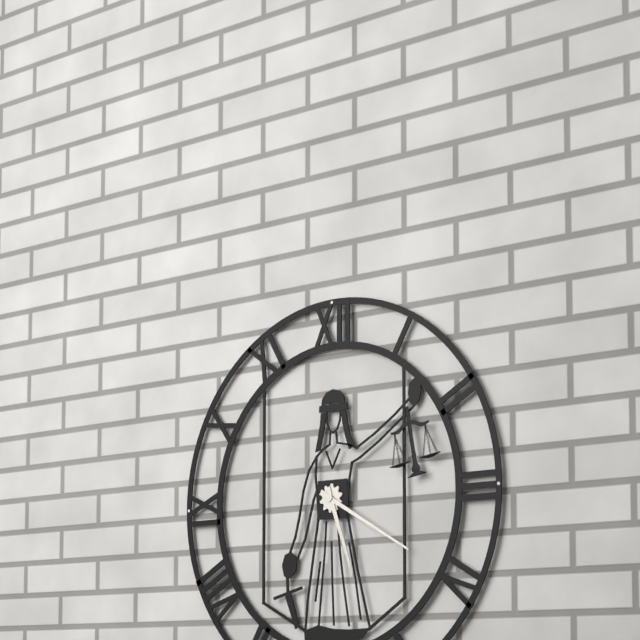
5h20
